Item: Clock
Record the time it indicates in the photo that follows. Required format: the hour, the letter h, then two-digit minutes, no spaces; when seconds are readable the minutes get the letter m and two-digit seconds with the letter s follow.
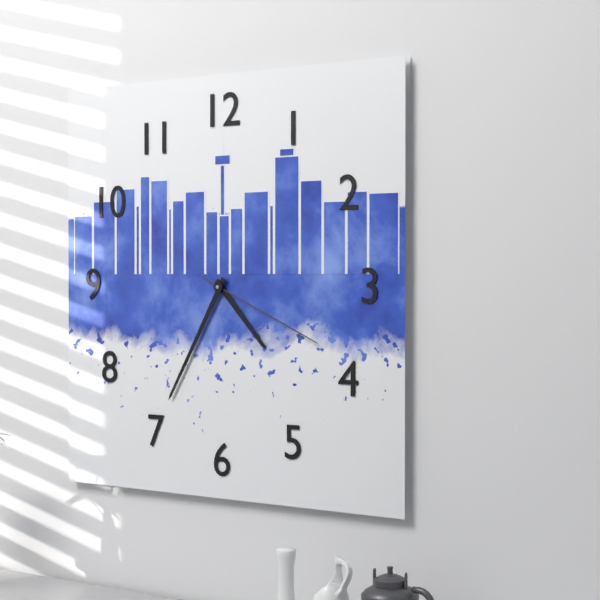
4h35m19s
